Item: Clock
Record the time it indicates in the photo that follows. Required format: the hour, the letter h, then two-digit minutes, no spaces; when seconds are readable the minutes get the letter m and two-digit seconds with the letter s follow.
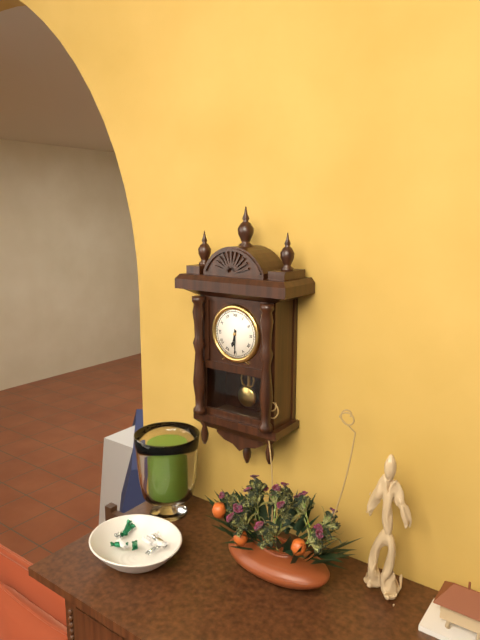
6h30
